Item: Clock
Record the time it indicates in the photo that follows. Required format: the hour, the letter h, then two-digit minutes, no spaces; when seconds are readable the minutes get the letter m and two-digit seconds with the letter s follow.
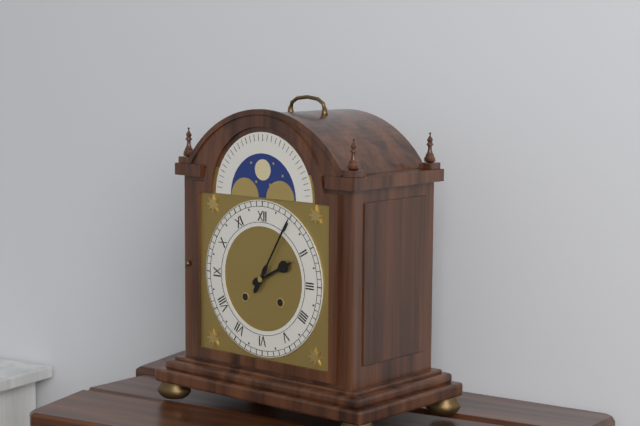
2h05
